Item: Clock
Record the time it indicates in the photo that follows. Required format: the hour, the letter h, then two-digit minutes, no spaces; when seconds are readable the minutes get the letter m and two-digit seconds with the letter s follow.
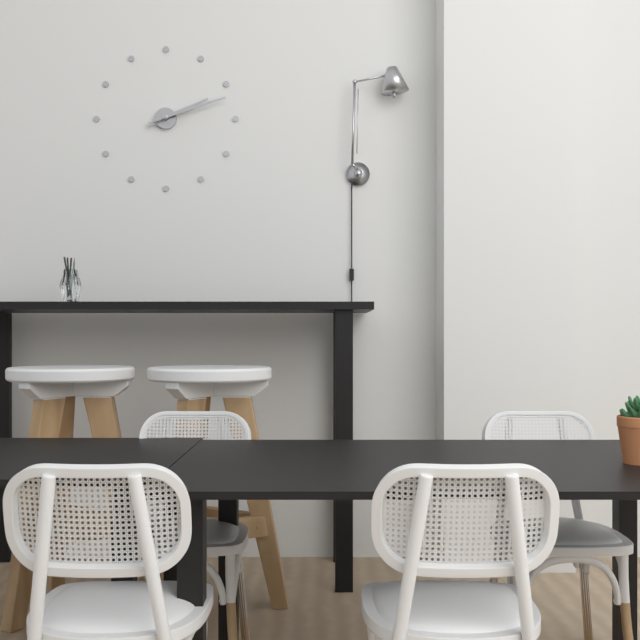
2h12
